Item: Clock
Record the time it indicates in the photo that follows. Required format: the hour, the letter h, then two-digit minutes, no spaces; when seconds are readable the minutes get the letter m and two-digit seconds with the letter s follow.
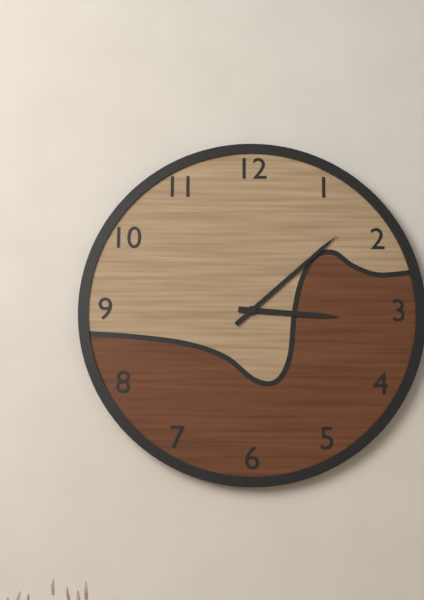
3h08
